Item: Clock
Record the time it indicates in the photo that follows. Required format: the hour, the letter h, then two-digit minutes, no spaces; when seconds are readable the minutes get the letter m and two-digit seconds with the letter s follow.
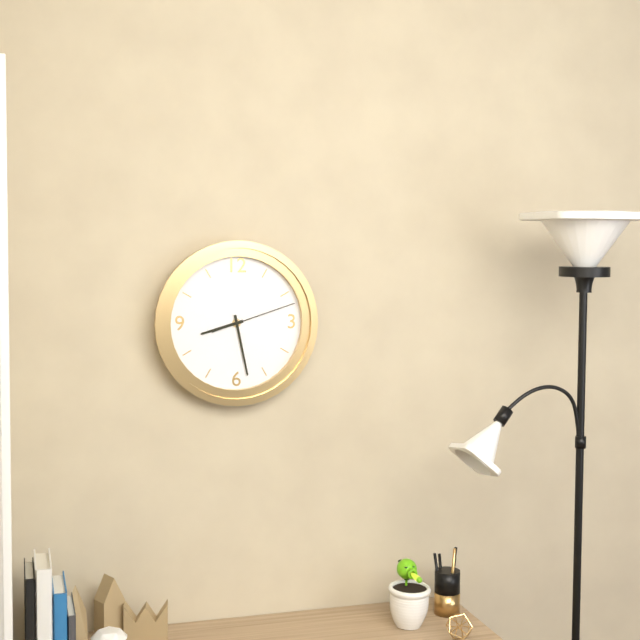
8h28m12s
